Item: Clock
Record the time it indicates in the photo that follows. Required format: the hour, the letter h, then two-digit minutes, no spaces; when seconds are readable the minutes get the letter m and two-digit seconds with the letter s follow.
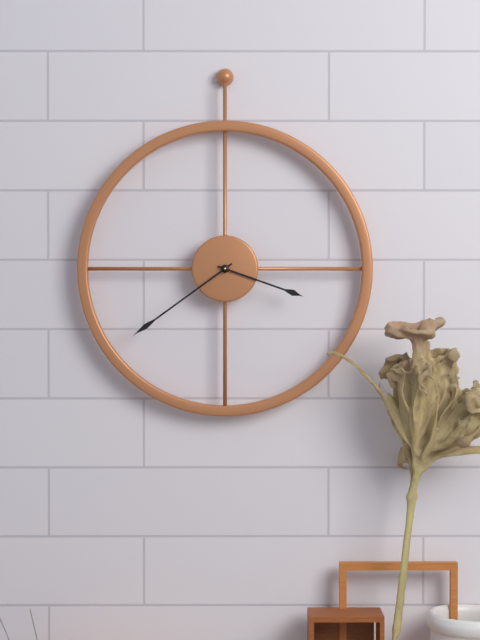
3h39
